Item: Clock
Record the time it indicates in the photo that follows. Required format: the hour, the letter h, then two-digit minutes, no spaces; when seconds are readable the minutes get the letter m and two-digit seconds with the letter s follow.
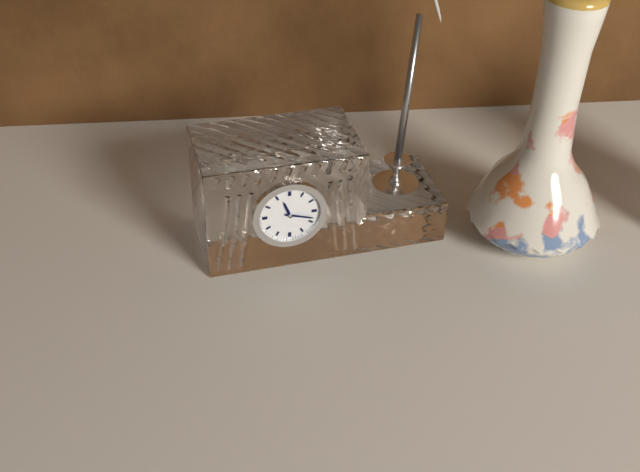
11h18
